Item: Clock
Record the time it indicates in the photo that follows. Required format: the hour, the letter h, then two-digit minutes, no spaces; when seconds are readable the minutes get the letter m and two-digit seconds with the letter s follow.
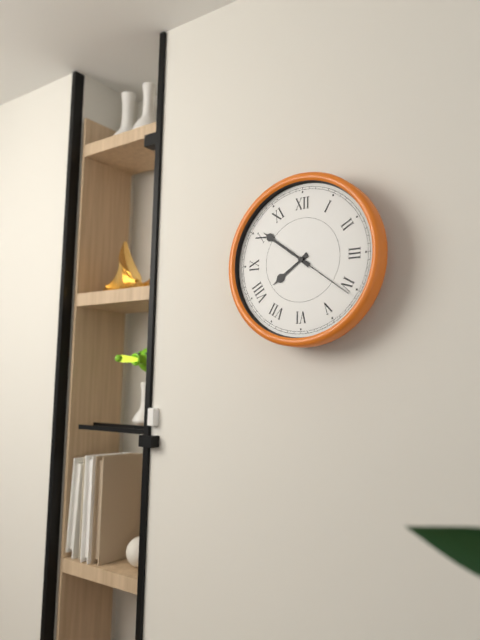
7h51m21s
